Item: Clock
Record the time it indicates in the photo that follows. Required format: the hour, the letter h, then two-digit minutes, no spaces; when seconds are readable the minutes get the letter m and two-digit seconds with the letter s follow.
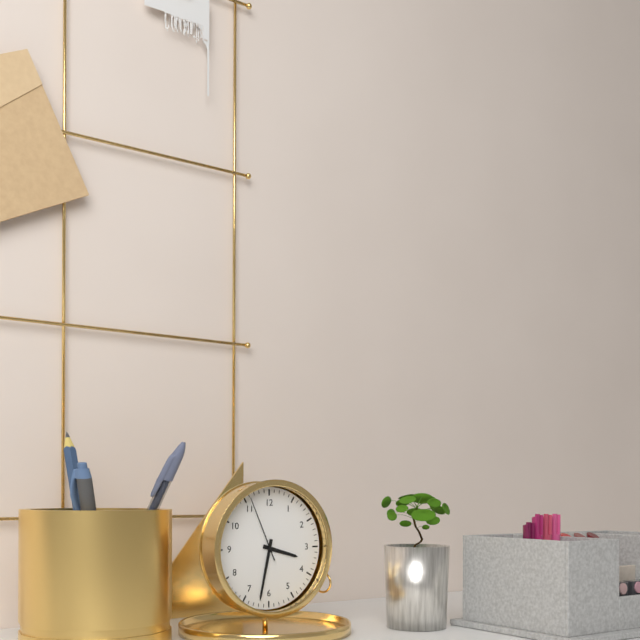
3h32m56s
